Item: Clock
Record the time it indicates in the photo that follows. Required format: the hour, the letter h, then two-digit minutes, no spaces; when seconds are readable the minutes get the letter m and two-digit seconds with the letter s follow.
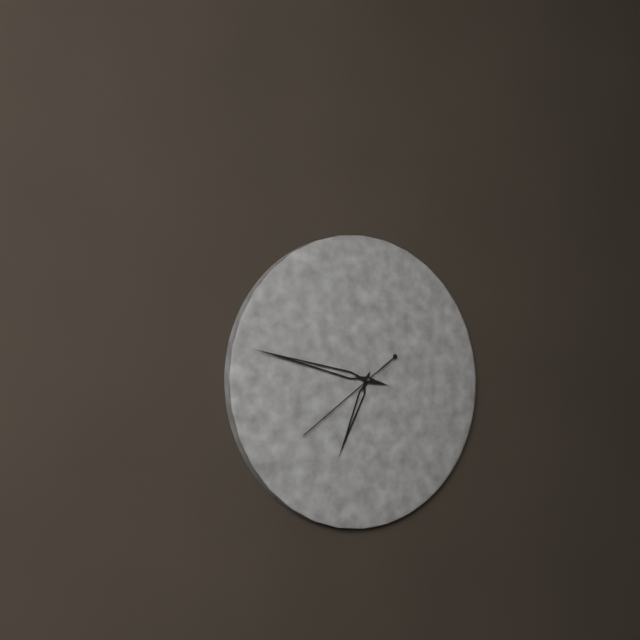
6h47m39s
